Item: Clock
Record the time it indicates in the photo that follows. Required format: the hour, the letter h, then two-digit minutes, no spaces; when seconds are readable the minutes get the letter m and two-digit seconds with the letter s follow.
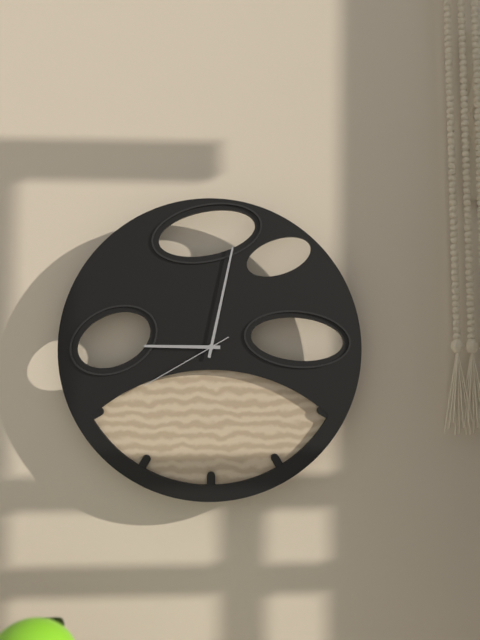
9h02m40s
